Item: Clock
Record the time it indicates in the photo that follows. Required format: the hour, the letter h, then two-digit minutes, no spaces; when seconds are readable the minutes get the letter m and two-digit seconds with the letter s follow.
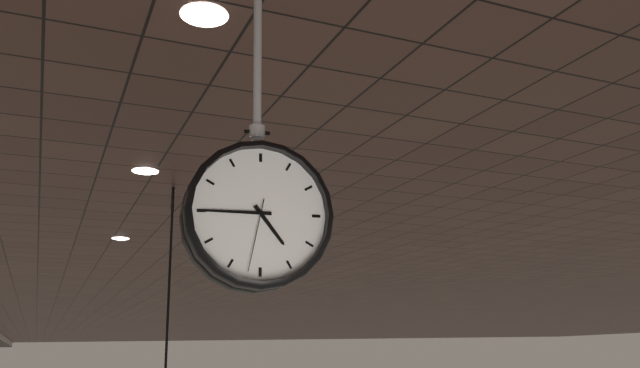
4h45m32s
